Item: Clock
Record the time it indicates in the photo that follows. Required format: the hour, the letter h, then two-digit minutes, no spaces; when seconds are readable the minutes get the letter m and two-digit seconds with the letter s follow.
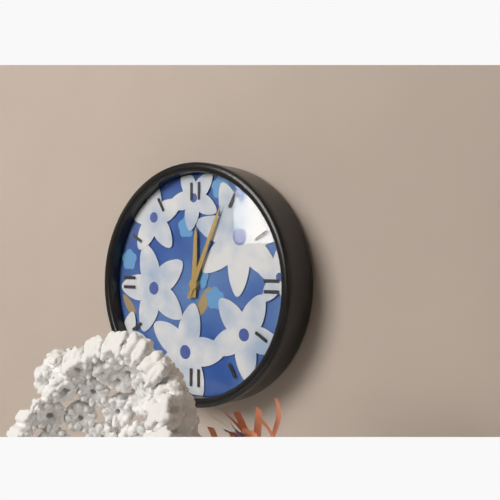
12h04
